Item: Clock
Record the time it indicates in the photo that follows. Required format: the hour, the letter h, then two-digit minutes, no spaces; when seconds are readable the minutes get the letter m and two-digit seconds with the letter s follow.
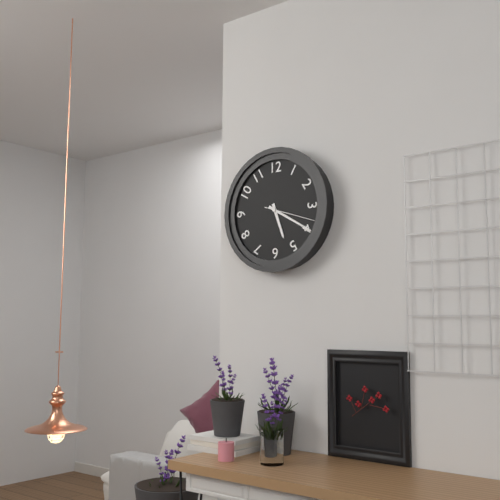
5h20m18s
